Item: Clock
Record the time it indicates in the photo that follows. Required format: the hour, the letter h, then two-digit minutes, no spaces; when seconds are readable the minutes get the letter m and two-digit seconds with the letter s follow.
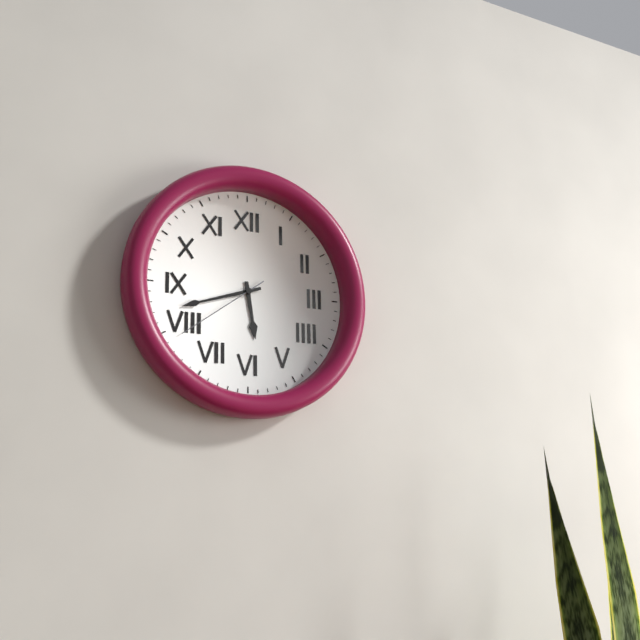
5h42m39s
